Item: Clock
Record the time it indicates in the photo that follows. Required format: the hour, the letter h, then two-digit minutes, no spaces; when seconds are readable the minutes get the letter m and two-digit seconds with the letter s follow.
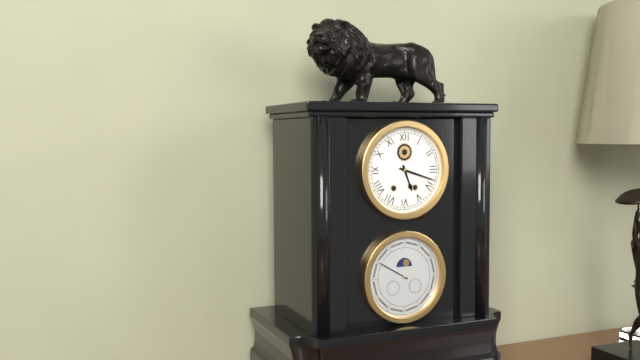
5h18
